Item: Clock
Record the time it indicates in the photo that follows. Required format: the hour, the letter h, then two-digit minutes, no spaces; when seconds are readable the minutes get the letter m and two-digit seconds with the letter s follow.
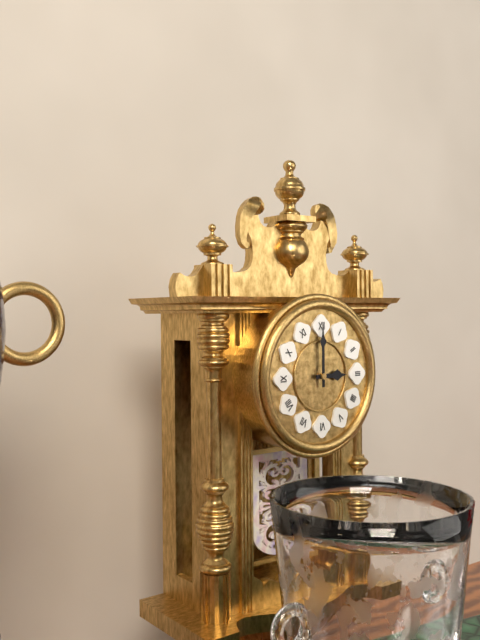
3h00
